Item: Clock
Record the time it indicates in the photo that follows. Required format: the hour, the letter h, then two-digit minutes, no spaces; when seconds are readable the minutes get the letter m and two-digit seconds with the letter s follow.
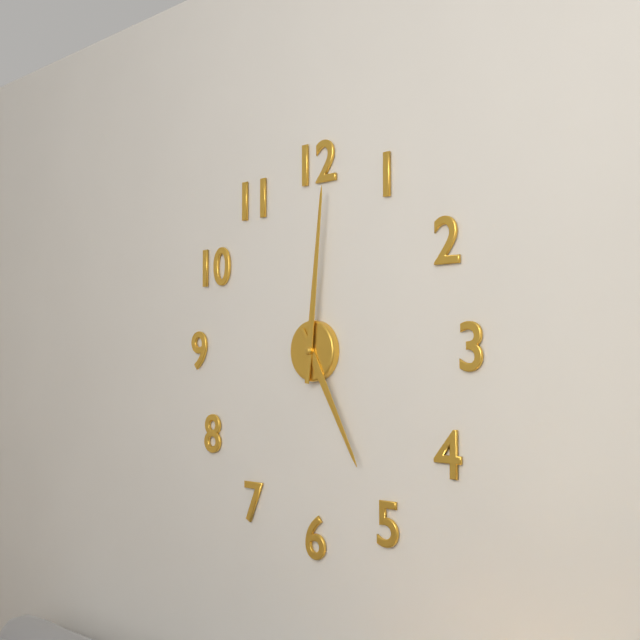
5h01
